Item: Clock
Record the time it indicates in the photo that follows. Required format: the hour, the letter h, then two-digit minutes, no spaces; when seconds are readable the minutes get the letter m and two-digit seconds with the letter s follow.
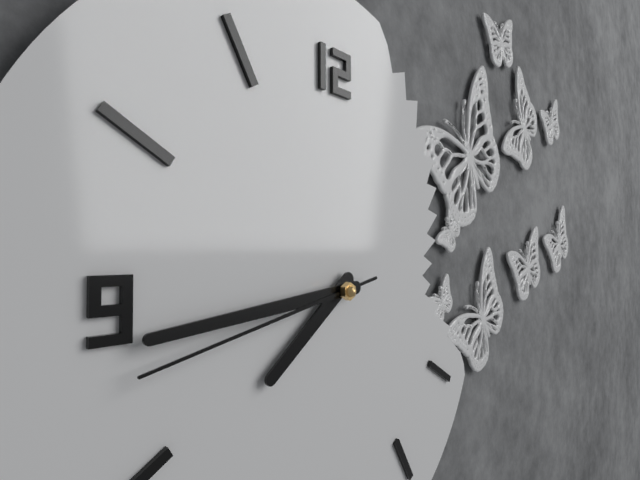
7h44m43s
